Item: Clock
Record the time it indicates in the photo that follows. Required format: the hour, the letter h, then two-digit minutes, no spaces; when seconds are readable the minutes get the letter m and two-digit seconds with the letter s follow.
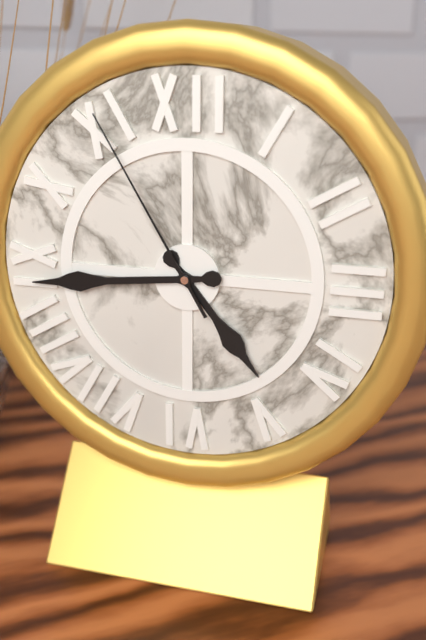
4h44m55s
